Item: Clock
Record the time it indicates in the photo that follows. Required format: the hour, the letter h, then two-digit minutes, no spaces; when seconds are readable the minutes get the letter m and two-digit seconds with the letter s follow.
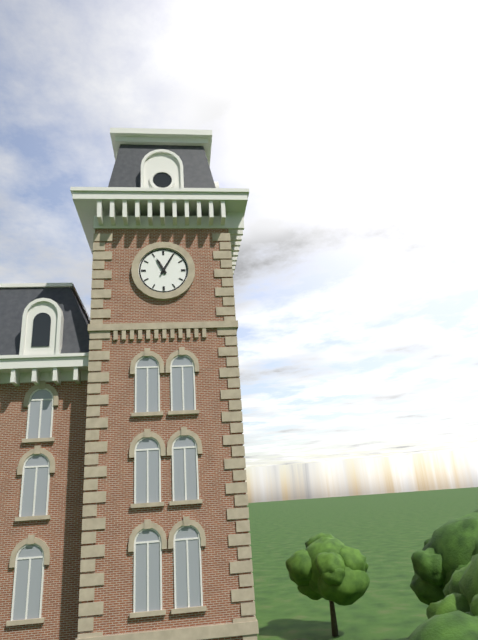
11h05
